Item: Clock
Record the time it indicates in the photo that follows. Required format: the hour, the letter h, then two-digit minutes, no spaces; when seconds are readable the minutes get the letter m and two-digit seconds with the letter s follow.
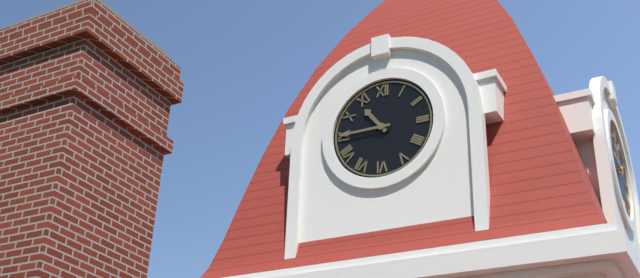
10h45
